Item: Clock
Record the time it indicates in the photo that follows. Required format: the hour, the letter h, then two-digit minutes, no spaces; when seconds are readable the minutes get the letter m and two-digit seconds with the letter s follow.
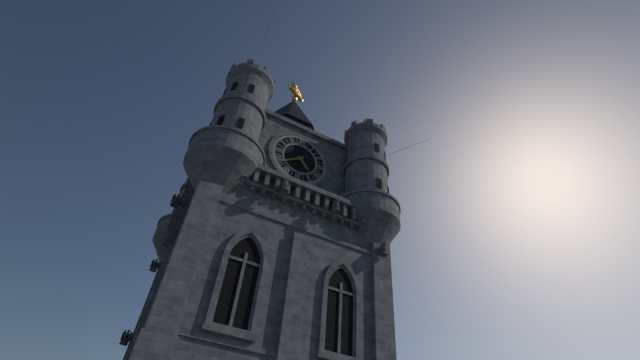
4h39
